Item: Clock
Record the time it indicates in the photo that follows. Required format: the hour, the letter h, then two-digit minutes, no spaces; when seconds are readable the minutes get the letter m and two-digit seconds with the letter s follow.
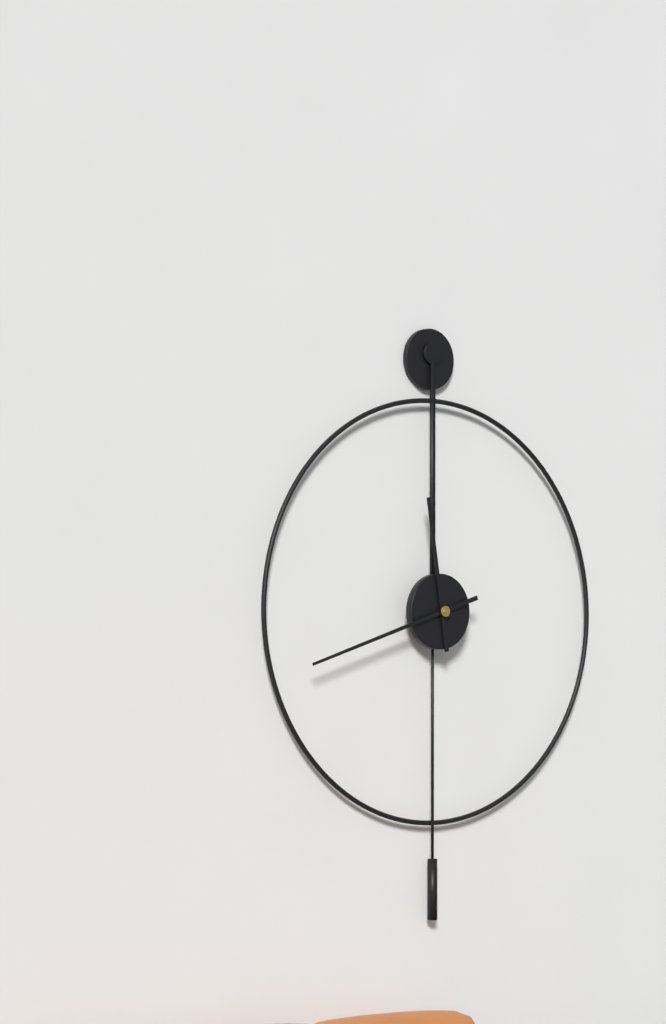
11h42
